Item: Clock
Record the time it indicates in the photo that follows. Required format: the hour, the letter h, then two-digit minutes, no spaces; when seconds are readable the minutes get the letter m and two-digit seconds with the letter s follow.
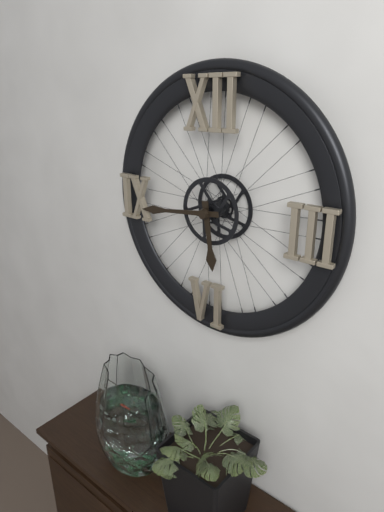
5h44
